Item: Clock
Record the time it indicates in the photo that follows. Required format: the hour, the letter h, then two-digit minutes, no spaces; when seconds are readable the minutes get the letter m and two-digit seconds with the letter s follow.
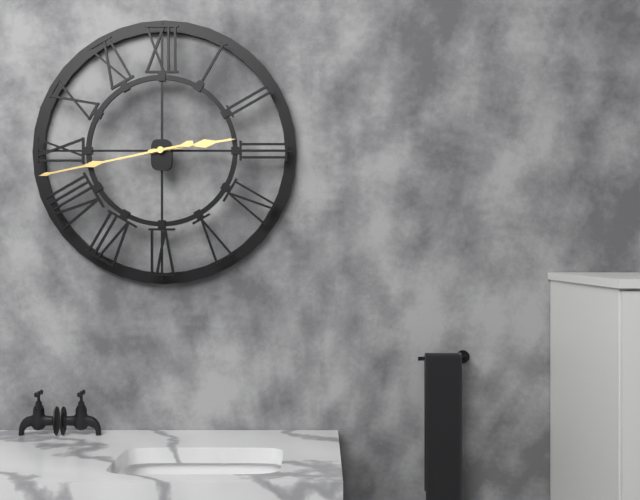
2h43
